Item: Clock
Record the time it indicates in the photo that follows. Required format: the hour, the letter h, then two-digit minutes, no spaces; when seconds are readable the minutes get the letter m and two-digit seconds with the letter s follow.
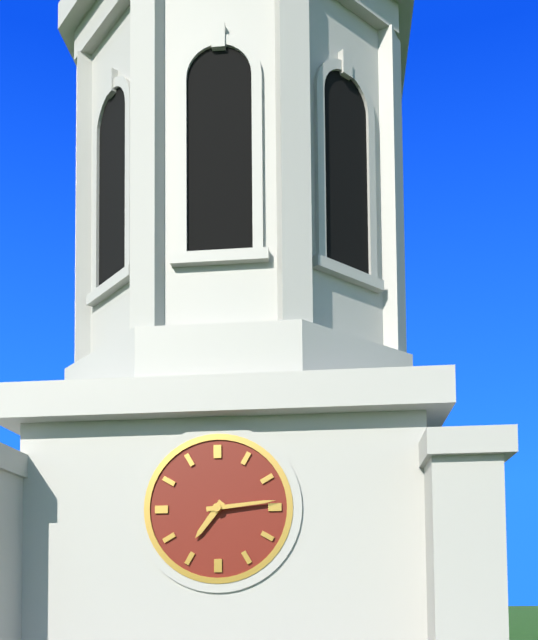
7h14
